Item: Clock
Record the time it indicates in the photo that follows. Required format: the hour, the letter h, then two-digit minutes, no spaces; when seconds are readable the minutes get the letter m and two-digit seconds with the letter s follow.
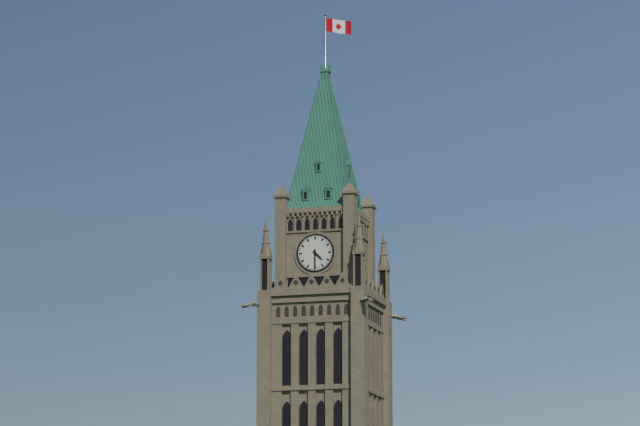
4h30
